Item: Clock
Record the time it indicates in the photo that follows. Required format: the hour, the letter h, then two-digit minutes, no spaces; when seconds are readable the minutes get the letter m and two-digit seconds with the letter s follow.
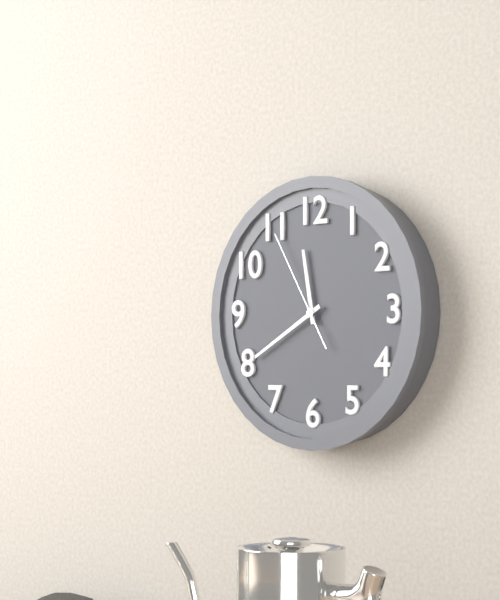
11h40m55s
